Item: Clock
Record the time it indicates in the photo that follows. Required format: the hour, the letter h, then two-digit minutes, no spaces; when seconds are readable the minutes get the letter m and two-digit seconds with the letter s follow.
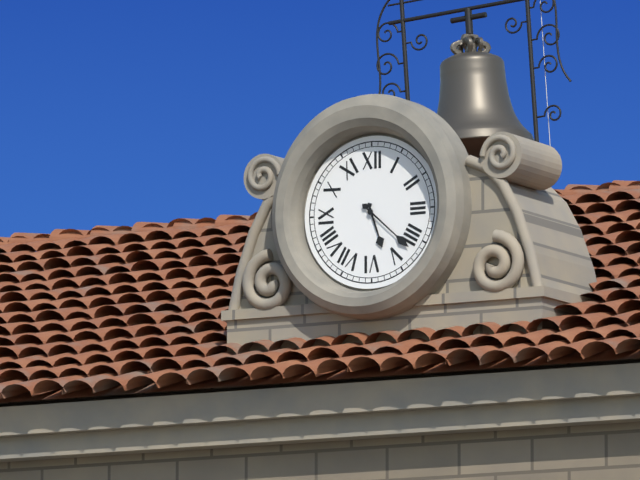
5h22
